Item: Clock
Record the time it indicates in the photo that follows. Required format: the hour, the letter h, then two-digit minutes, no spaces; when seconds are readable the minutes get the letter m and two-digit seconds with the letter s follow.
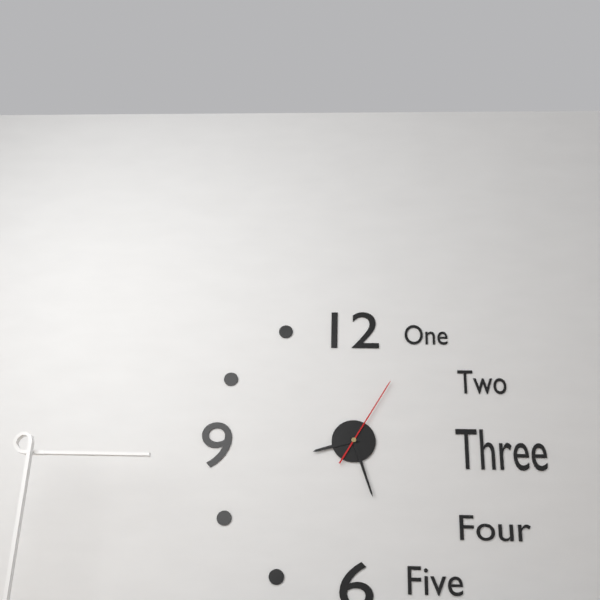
8h27m05s
